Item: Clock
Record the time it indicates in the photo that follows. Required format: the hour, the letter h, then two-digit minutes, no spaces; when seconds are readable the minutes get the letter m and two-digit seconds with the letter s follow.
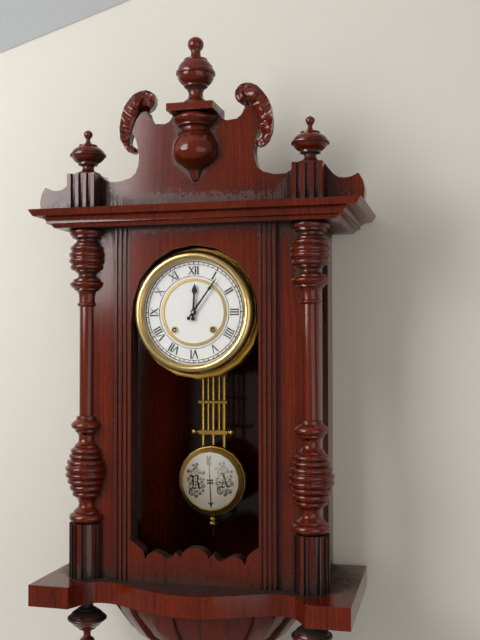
12h06
